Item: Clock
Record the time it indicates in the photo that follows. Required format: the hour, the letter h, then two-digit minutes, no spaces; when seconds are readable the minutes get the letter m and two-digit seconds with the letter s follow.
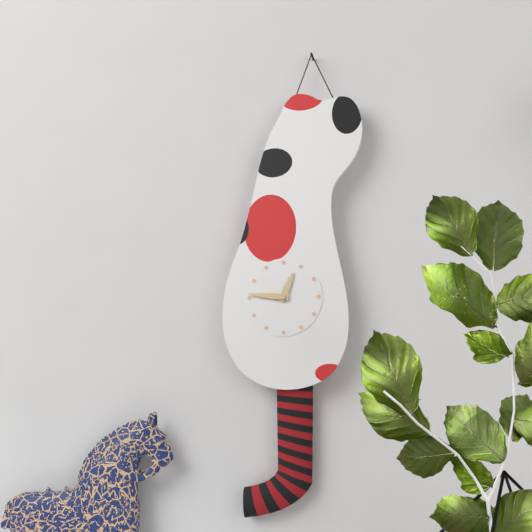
12h46
